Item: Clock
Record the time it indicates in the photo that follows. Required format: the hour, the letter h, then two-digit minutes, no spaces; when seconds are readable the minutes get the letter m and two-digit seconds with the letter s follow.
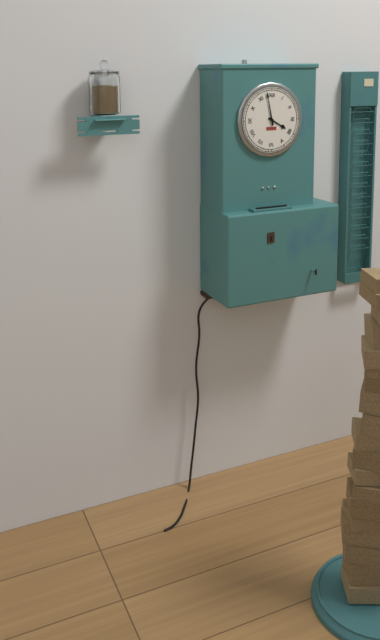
3h58
